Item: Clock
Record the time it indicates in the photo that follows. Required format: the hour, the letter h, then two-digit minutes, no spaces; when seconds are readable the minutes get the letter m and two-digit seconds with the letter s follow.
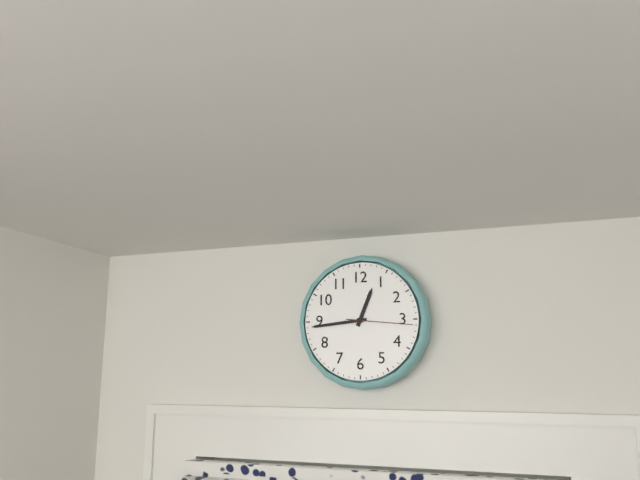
12h44m16s
